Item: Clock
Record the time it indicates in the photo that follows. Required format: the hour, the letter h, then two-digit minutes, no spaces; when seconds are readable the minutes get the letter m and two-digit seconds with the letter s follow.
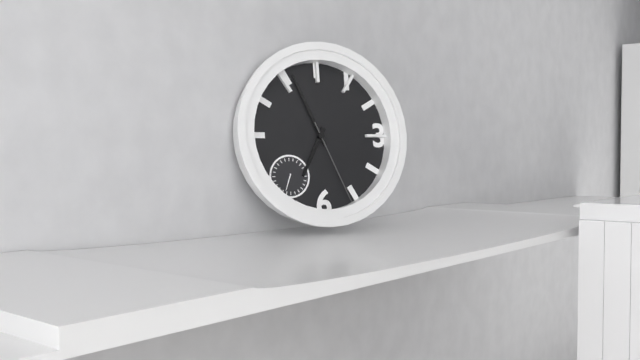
6h56m26s
